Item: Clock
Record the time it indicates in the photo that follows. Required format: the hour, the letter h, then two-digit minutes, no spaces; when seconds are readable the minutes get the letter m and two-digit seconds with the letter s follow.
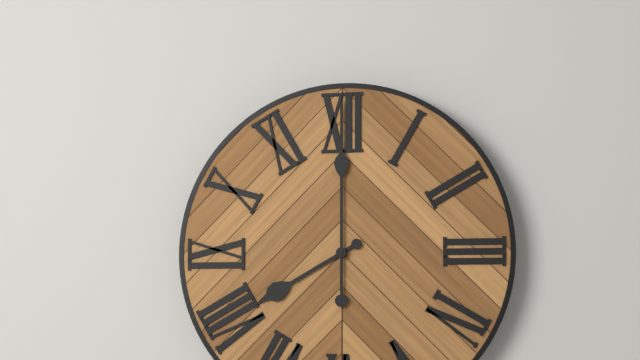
8h00
